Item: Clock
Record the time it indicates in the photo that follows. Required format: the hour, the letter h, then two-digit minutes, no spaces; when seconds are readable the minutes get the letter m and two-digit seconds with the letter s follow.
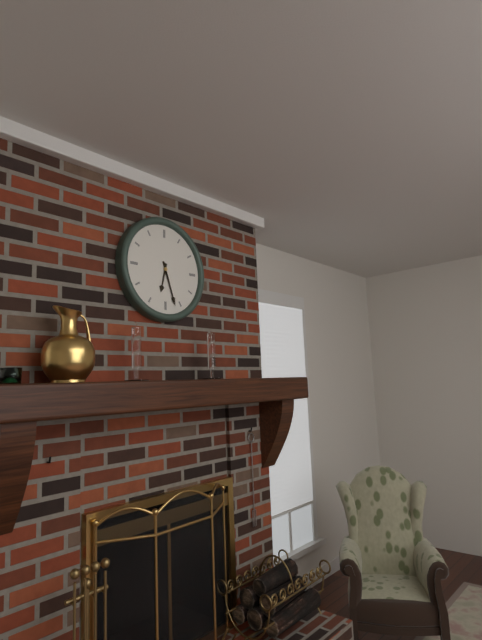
6h27
